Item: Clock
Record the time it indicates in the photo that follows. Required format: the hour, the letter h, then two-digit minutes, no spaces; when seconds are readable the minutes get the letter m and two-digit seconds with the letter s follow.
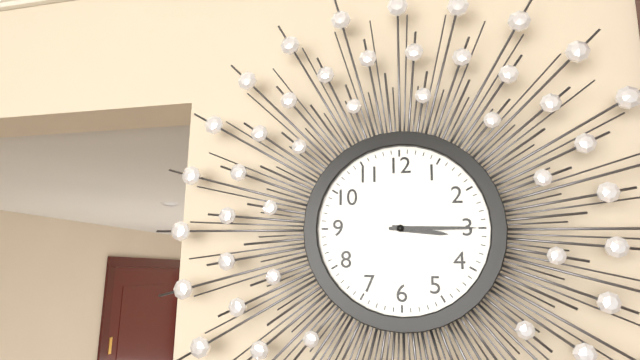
3h15
